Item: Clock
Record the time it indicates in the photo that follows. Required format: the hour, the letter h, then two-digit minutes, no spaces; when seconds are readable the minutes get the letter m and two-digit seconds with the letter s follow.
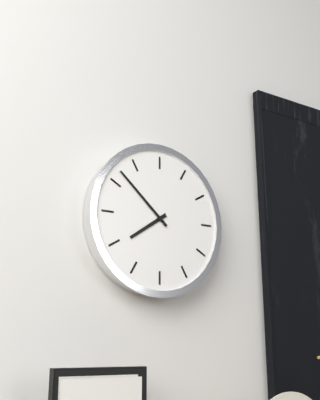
7h52
